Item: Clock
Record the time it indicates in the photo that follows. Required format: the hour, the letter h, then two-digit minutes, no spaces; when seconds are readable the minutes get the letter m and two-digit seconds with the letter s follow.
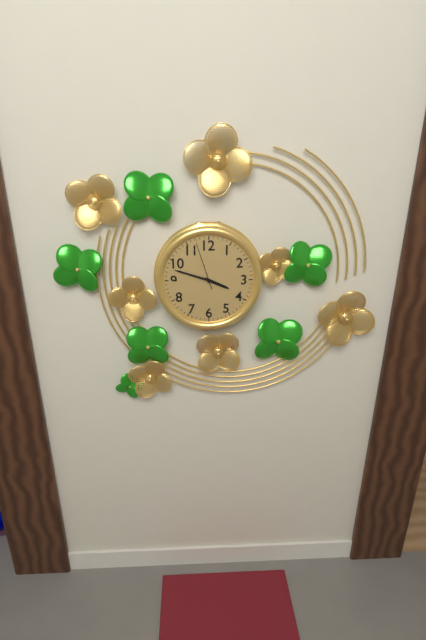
3h48
